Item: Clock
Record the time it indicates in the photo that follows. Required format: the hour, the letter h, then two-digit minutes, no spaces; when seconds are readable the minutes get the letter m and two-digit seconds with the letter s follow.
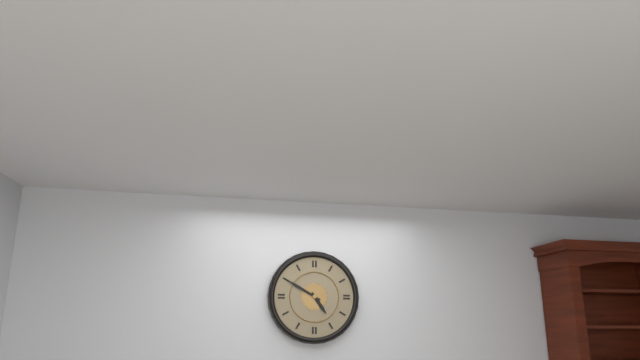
4h50
